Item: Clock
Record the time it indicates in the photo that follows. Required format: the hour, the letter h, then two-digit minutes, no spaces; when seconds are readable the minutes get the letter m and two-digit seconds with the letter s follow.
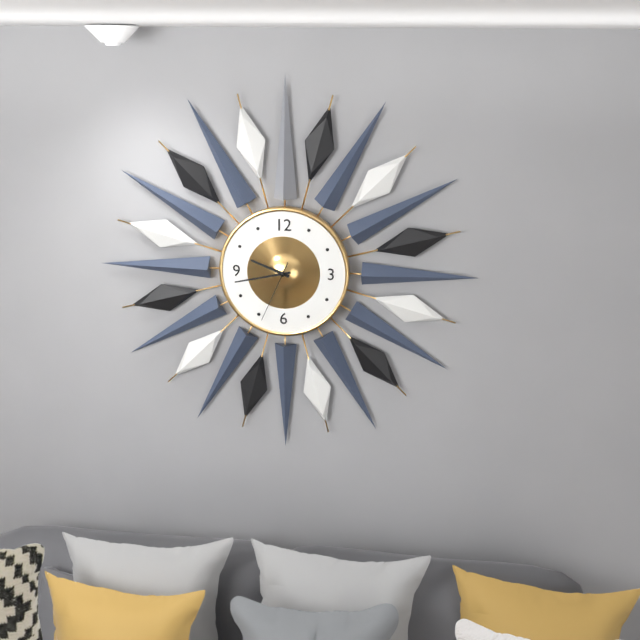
9h43m34s
